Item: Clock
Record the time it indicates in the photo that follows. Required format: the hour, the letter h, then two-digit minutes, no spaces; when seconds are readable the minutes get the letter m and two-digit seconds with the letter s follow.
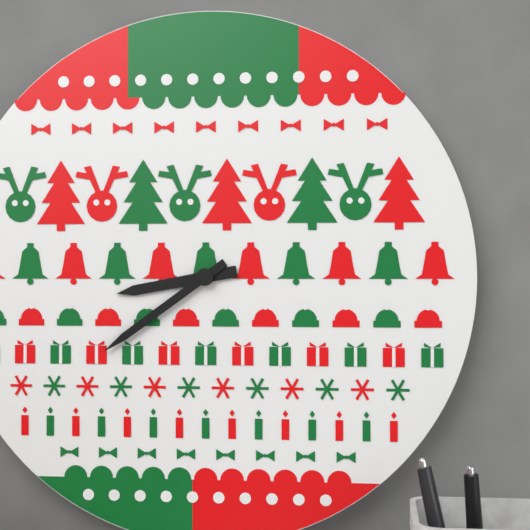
8h39
